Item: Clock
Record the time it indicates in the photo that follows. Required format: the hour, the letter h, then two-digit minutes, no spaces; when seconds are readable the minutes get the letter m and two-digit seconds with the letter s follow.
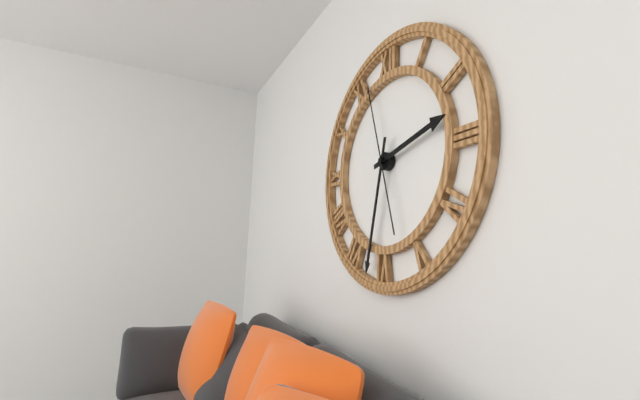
2h32m57s
